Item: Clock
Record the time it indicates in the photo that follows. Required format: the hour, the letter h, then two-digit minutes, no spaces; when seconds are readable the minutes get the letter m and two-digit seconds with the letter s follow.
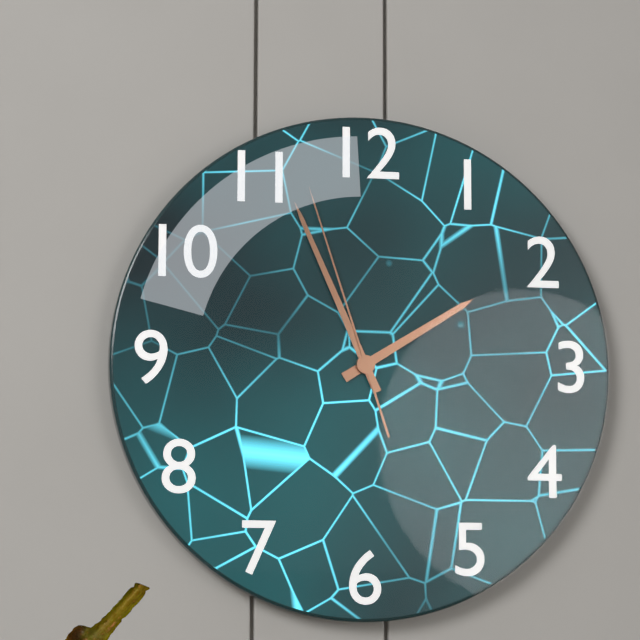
1h56m57s
